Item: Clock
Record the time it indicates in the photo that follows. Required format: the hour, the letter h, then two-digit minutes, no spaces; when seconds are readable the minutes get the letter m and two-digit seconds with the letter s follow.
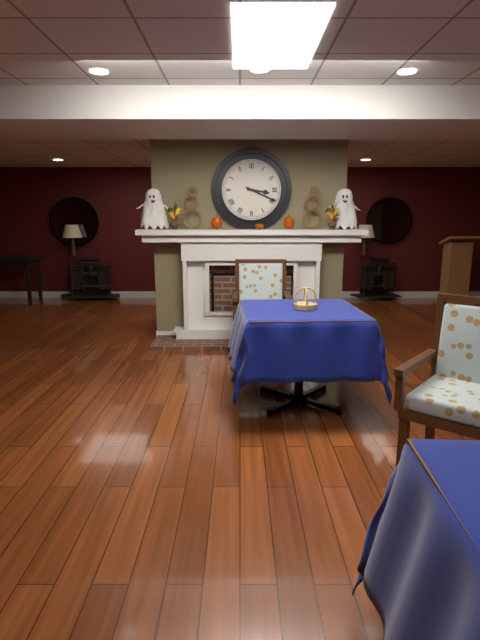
3h19
